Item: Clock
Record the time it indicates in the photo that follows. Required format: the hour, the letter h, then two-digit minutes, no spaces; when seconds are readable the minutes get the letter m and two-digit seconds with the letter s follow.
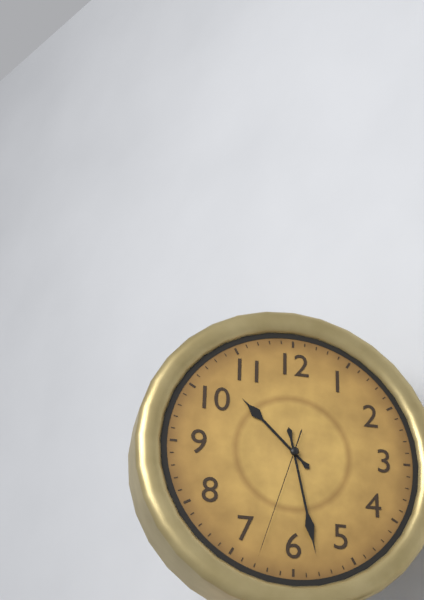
10h28m33s
